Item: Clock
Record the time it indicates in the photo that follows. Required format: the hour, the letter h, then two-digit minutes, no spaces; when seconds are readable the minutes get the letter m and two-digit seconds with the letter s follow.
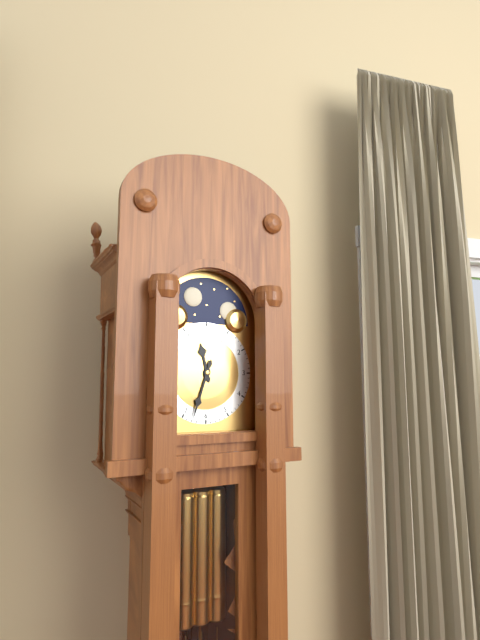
11h33
